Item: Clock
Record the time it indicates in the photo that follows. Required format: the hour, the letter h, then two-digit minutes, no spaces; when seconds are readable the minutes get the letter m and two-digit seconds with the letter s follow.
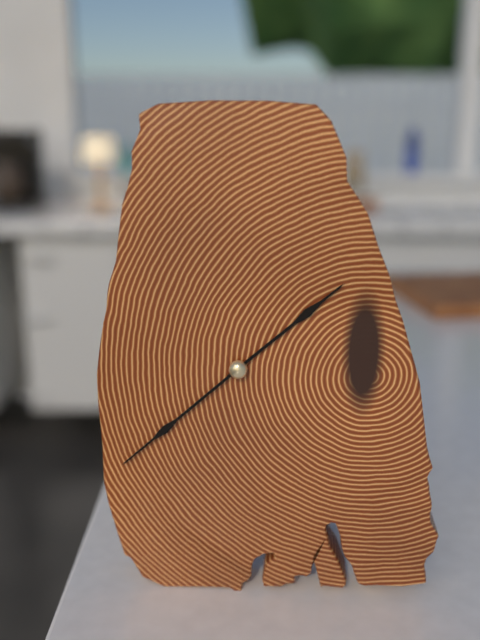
1h38
